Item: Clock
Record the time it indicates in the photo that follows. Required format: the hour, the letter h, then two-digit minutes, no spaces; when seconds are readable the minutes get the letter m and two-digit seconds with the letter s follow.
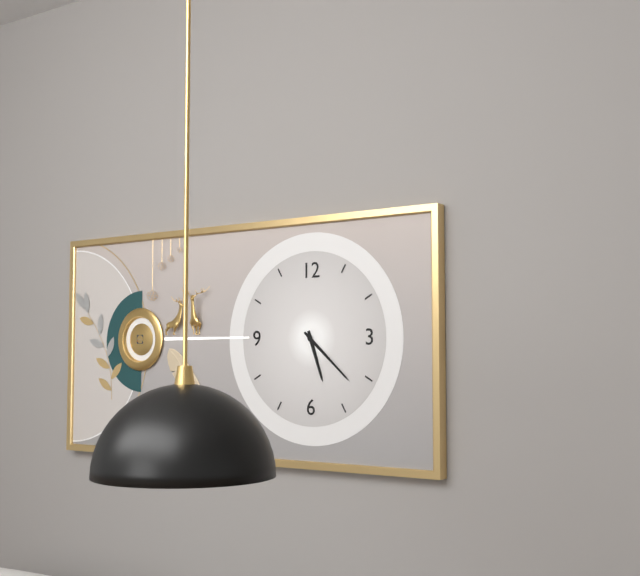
5h22
